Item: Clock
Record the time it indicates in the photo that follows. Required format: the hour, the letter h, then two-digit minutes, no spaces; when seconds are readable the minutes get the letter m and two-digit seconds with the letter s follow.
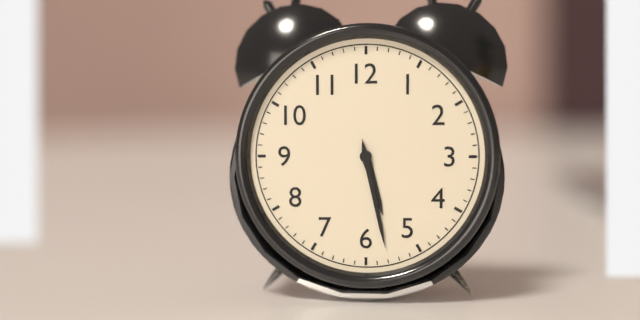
5h28
